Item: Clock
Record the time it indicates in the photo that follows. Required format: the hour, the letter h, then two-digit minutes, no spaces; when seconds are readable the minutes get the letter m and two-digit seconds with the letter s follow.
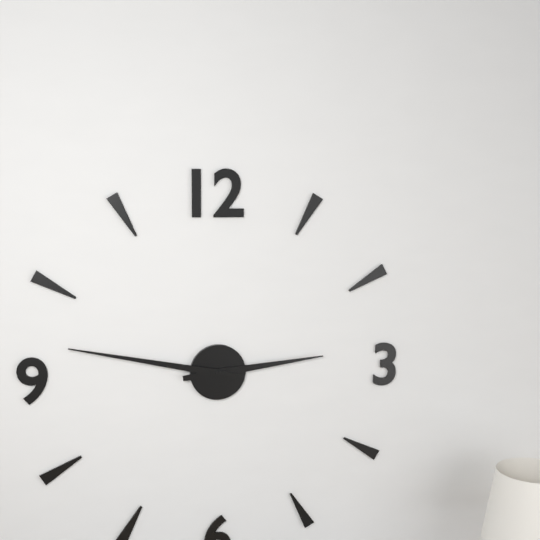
2h47
